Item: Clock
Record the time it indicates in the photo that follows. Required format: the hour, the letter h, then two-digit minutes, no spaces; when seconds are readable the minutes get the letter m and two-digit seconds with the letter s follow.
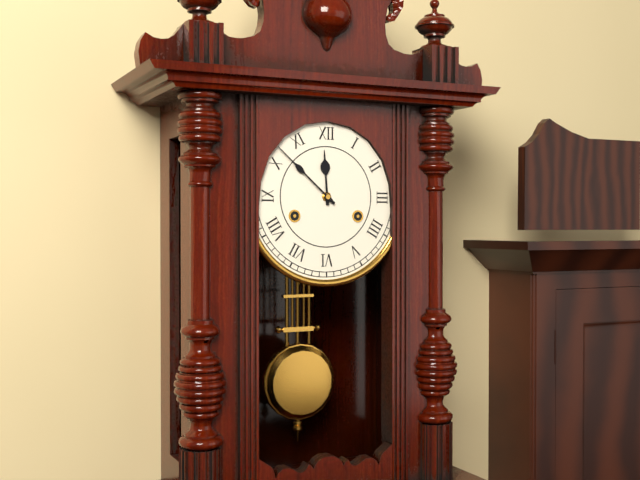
11h52
